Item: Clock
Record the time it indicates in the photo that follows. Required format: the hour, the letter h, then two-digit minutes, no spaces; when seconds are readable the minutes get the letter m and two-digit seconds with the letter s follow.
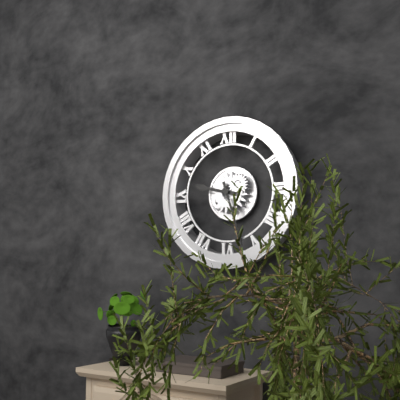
9h27
